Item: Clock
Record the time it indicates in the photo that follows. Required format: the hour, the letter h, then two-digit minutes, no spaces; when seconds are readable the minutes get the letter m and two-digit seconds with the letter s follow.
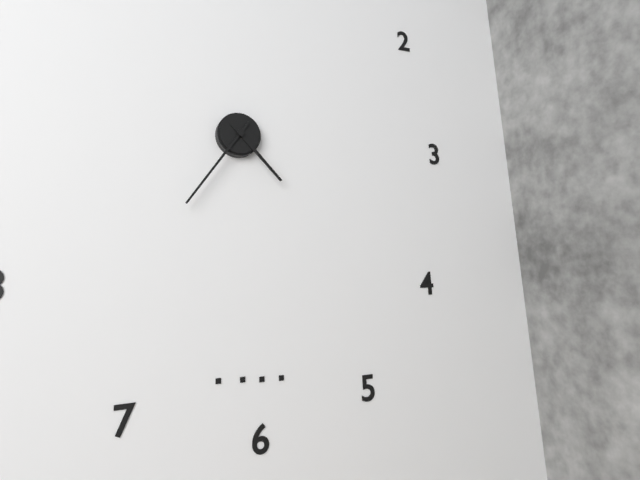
4h36
